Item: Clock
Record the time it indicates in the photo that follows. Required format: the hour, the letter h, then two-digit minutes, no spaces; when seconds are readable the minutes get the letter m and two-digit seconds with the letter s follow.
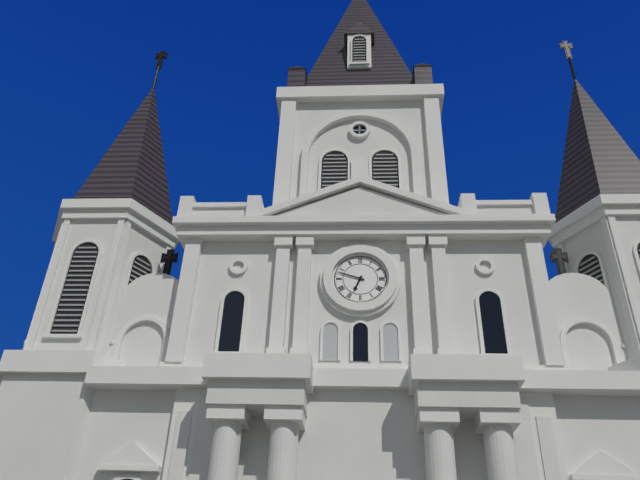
6h48
